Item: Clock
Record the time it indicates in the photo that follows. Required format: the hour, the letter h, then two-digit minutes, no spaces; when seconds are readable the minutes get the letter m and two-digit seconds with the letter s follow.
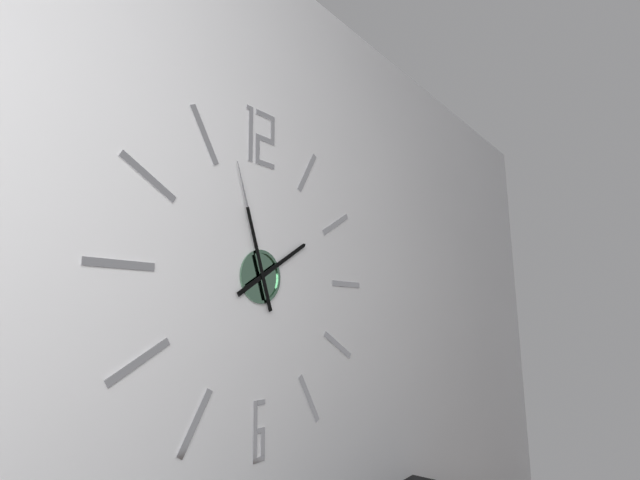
1h57
